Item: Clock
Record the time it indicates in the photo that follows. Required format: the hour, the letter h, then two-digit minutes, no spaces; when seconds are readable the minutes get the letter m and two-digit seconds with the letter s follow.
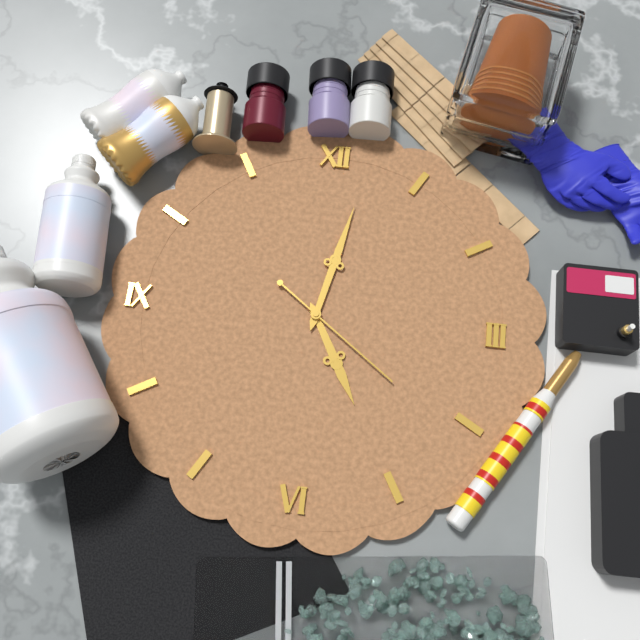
5h02m21s
